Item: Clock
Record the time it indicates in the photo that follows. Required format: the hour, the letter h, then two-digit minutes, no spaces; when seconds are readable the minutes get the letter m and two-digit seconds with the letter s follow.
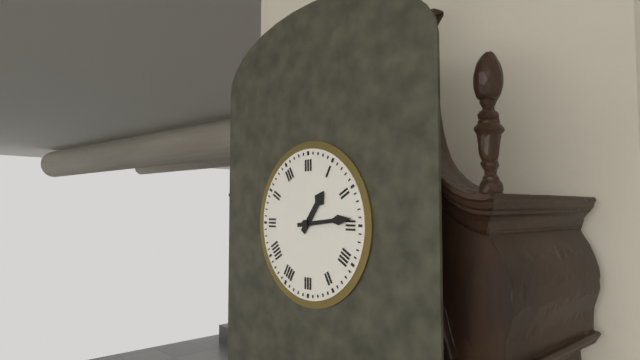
1h14
